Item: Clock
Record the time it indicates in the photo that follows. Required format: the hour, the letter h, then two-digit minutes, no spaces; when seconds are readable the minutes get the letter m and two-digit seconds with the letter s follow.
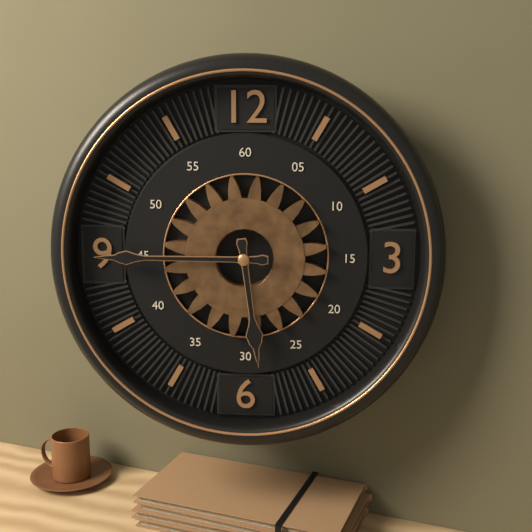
5h45
